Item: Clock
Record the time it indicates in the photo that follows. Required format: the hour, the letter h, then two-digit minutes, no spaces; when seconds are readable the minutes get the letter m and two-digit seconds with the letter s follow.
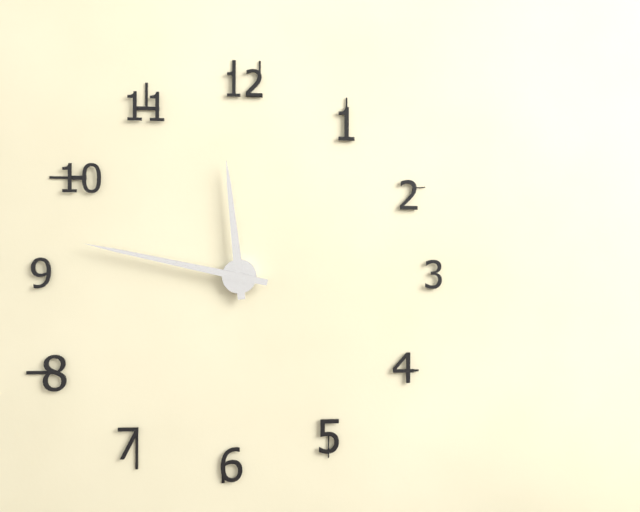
11h47
